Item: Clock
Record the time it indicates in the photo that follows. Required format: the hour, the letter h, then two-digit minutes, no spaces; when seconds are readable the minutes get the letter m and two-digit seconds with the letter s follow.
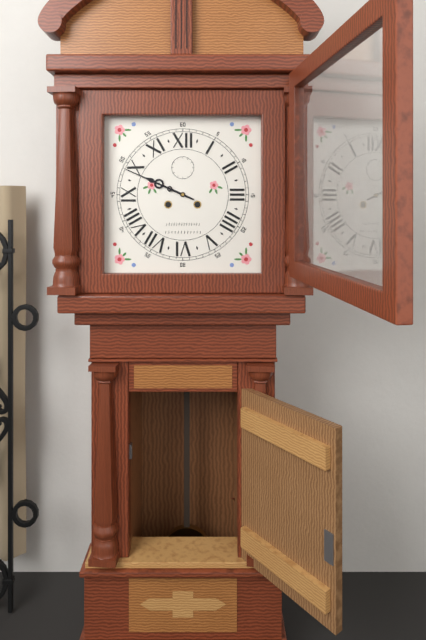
9h49
